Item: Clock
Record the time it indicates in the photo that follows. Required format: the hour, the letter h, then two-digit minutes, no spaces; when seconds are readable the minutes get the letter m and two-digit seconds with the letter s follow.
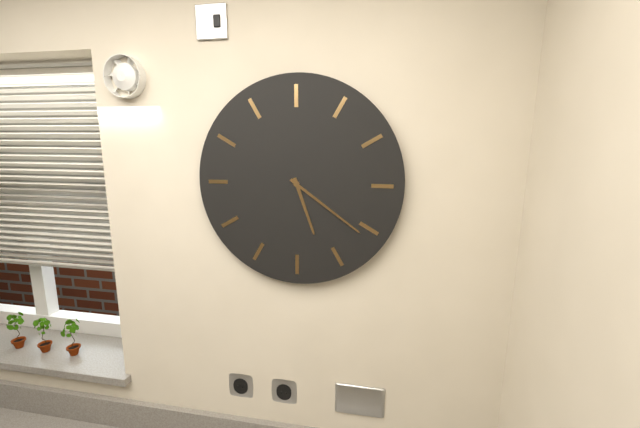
5h21
